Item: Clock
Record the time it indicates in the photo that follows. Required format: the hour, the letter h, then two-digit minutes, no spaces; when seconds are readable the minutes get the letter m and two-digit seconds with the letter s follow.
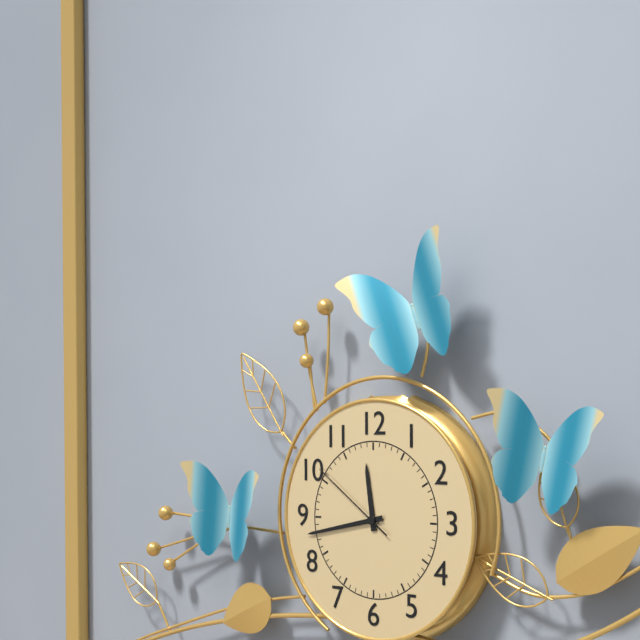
11h43m51s
